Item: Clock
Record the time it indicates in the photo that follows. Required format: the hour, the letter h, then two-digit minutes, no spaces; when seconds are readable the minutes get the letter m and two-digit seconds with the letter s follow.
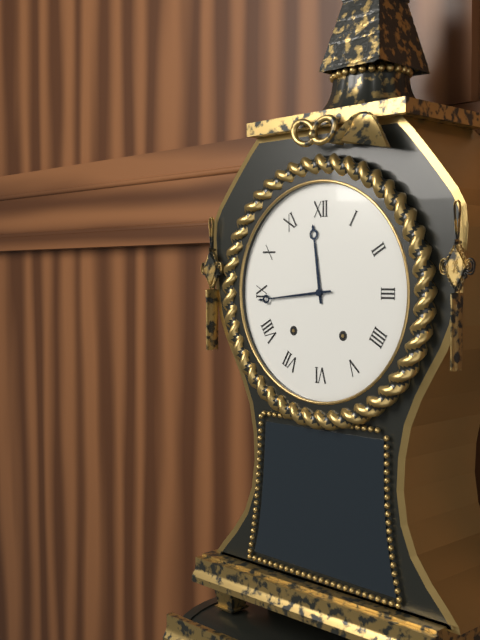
11h44
